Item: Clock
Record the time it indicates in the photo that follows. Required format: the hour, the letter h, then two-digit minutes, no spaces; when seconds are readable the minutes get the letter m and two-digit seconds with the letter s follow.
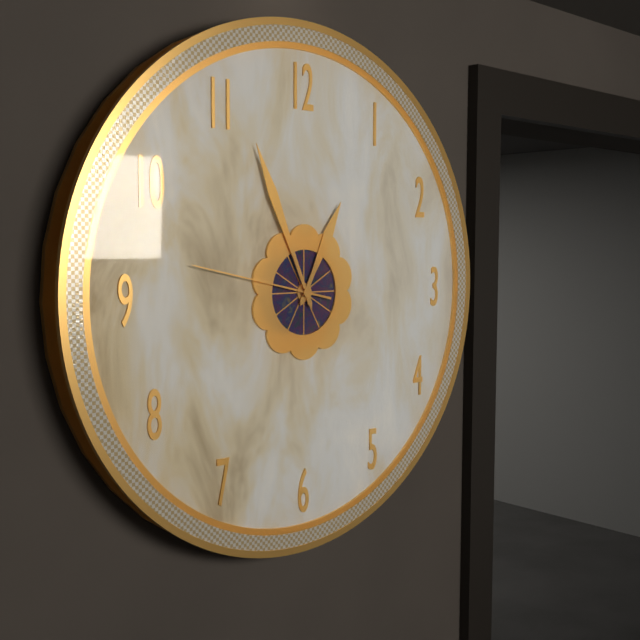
12h56m47s
